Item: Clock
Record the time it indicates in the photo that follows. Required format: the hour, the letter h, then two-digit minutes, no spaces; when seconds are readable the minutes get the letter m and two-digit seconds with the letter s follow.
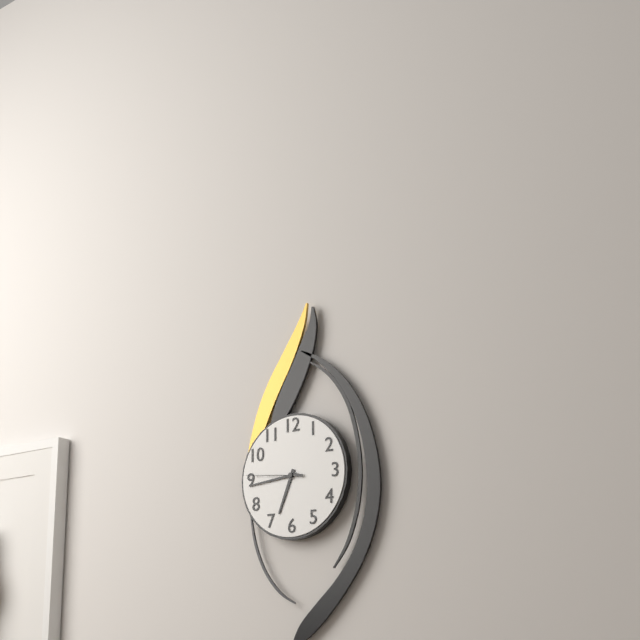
6h44m46s
